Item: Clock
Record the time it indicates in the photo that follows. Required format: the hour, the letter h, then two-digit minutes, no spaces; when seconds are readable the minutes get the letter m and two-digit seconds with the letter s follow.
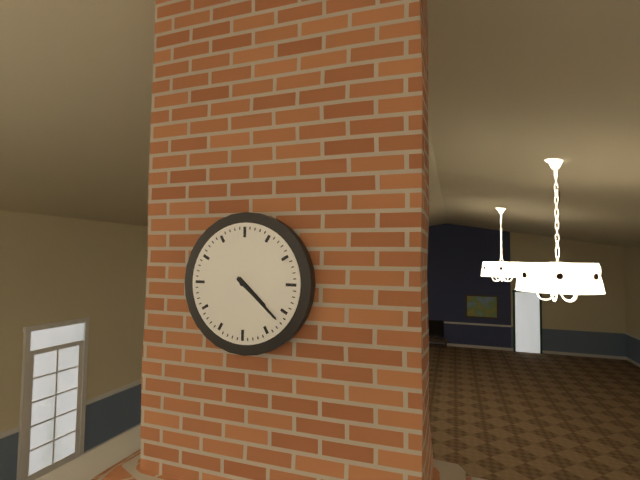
4h22
